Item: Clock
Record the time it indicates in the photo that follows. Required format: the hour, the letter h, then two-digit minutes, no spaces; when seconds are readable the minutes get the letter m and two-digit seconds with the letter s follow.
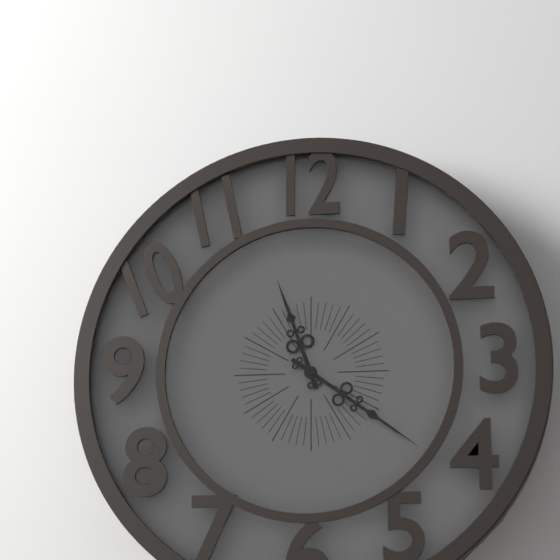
11h21
